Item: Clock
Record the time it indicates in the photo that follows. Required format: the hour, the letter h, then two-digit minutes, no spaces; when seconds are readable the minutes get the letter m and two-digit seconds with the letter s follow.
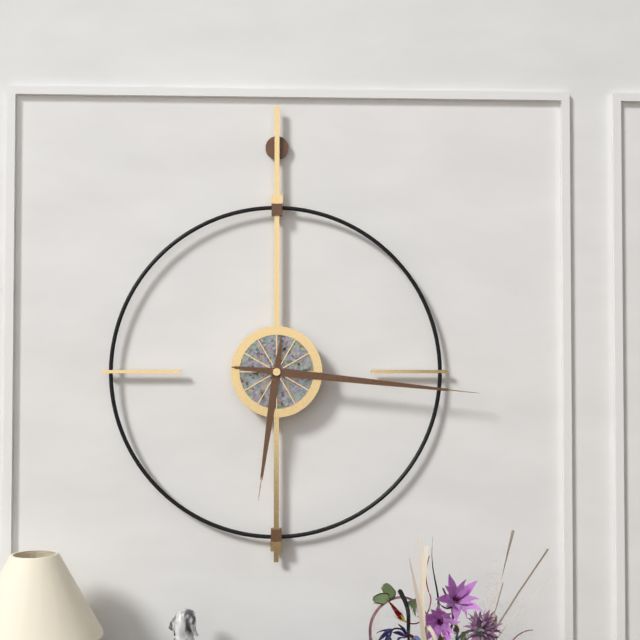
6h16
